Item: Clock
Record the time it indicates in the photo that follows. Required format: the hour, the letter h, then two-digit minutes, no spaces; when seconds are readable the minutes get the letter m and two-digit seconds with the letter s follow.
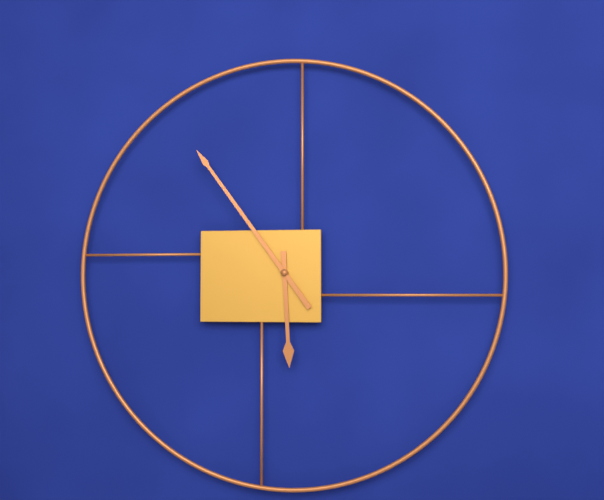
5h54
